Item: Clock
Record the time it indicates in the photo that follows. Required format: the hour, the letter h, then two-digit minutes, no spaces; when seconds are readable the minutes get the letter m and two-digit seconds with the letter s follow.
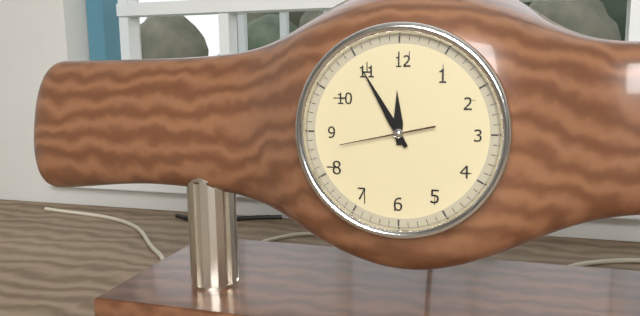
11h55m43s
